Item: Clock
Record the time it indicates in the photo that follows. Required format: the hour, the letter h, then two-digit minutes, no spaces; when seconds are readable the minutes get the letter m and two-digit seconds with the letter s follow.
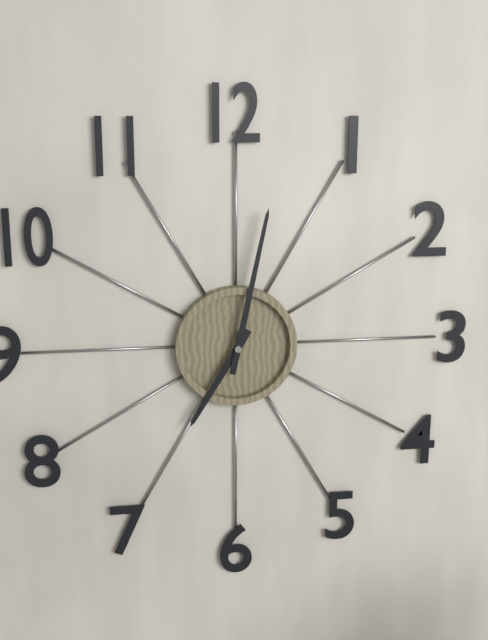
7h02
